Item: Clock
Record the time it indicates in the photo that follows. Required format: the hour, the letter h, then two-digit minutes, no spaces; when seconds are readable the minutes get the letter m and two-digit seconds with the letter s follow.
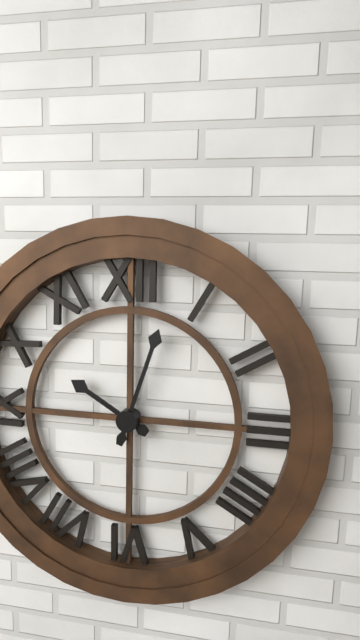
10h03
